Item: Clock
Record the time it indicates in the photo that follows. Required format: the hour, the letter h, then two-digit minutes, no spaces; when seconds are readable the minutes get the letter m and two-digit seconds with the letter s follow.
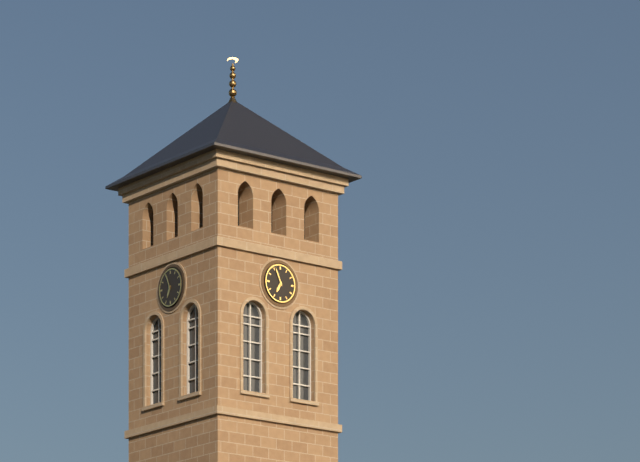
6h56
